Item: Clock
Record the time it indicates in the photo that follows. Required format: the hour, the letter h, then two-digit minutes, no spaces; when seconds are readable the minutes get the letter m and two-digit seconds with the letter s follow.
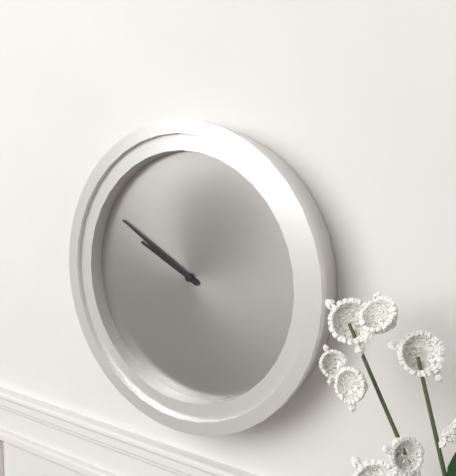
9h50
